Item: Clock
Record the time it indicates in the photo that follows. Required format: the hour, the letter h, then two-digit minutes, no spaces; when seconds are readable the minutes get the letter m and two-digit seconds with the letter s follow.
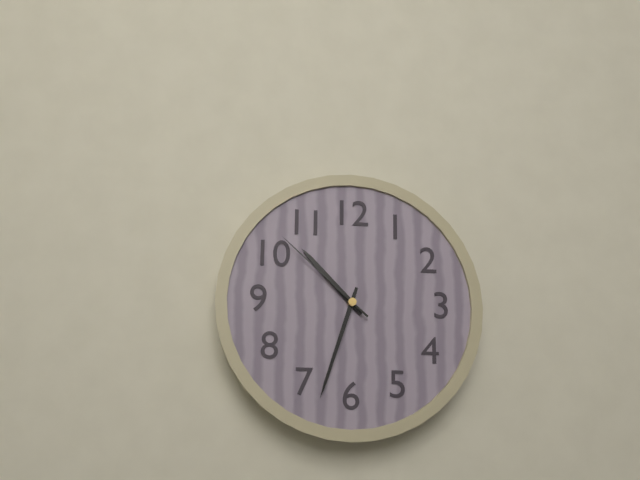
10h33m52s
